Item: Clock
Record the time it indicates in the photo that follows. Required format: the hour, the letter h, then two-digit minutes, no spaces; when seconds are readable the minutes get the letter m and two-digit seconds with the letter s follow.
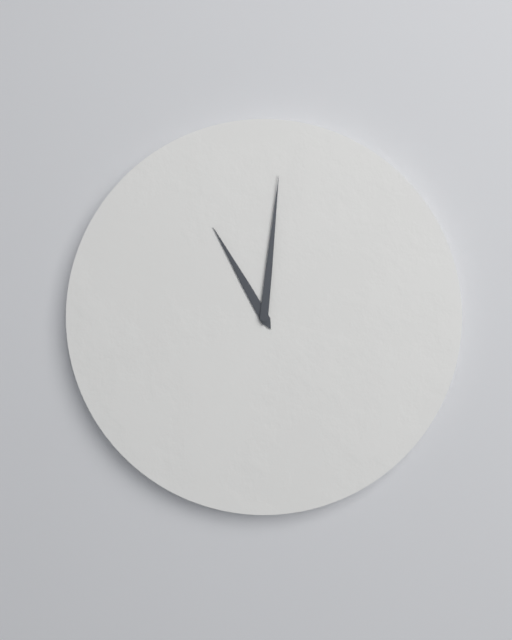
11h01
